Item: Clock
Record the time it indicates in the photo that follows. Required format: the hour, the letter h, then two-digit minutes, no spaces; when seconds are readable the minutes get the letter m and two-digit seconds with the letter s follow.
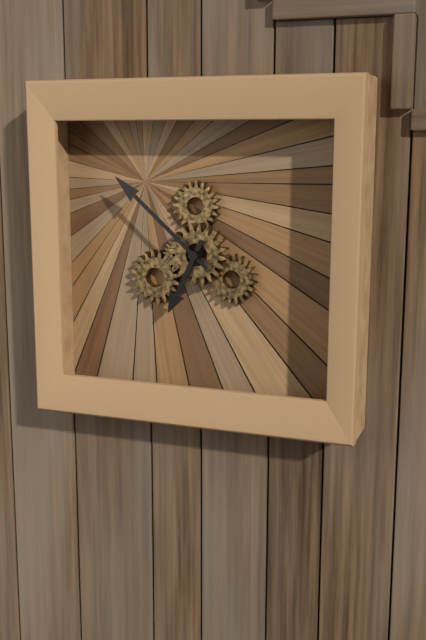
6h52
